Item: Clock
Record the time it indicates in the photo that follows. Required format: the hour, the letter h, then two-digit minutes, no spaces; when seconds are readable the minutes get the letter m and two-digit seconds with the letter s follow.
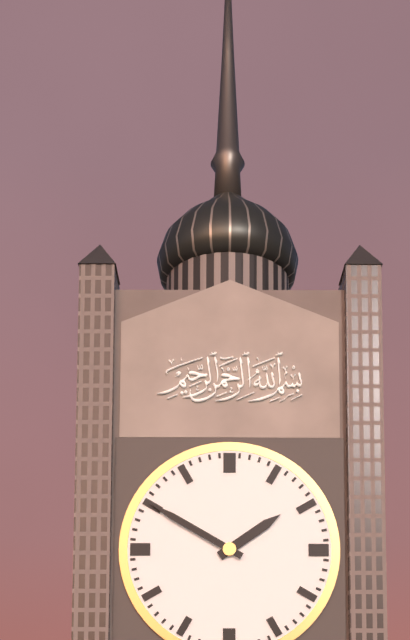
1h50
